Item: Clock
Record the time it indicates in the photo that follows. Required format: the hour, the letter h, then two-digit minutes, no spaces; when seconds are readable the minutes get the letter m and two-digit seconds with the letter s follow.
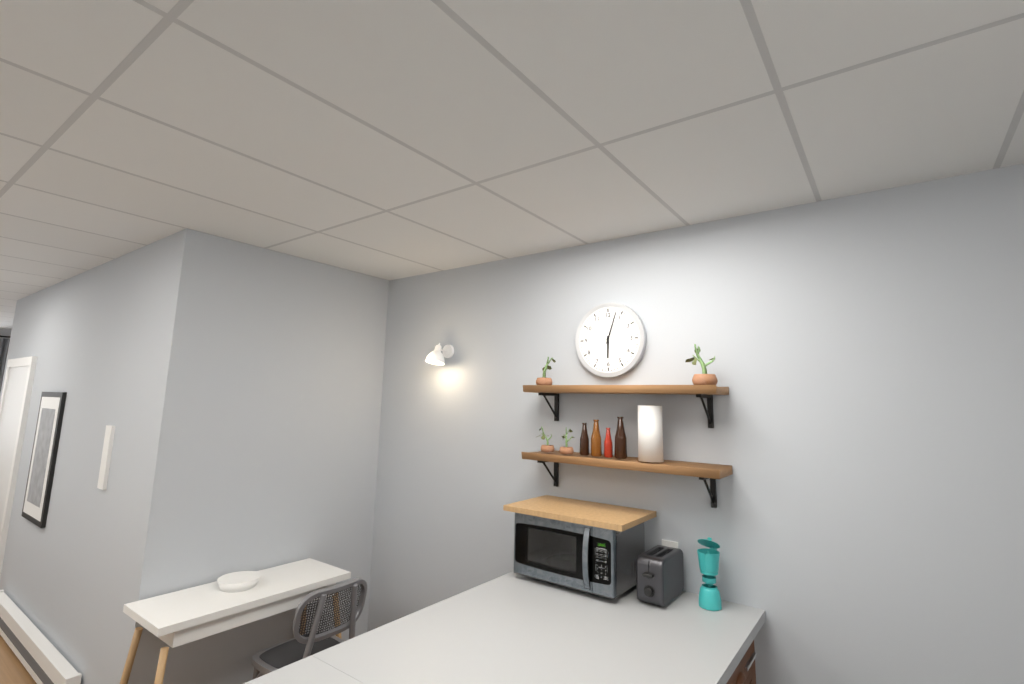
6h03
